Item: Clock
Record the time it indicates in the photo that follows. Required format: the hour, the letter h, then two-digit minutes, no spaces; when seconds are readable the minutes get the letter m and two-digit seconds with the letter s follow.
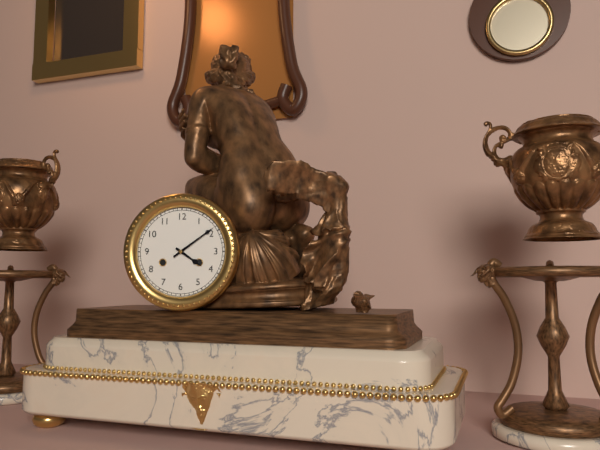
4h09
